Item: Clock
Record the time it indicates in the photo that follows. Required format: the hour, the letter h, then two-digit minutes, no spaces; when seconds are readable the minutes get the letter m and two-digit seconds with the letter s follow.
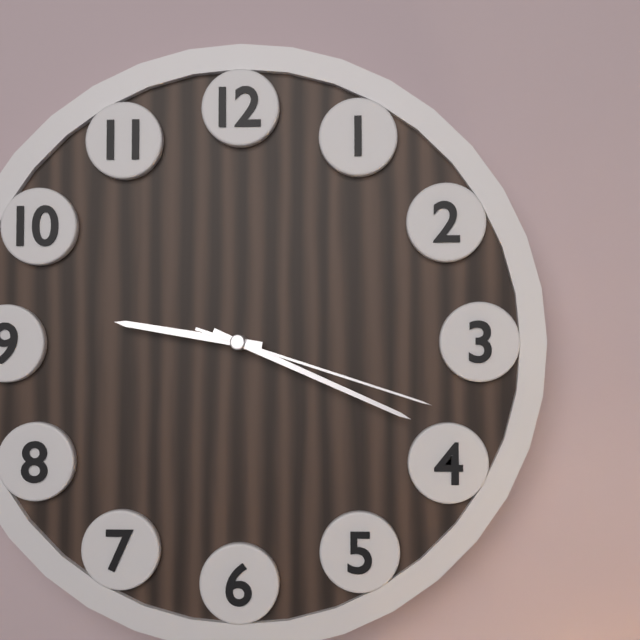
9h19m18s
